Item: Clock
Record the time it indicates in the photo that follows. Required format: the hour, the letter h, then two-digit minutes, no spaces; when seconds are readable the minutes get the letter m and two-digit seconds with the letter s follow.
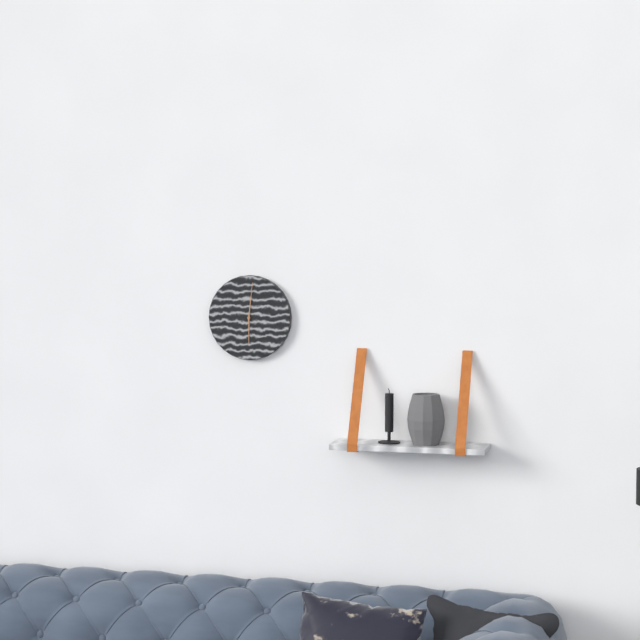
6h01
